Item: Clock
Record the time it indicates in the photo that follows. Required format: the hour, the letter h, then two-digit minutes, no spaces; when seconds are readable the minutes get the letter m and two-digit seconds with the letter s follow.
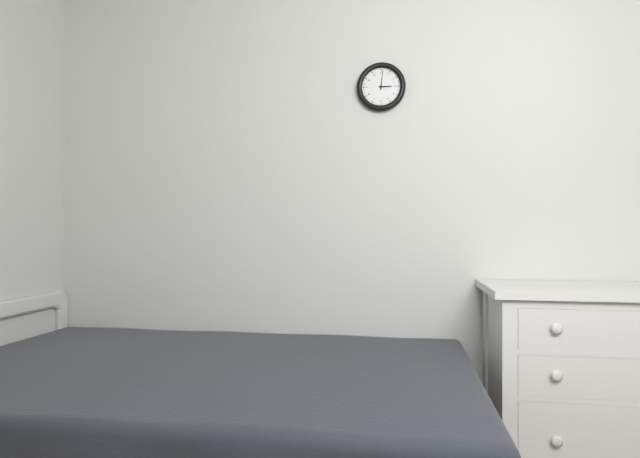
3h01
